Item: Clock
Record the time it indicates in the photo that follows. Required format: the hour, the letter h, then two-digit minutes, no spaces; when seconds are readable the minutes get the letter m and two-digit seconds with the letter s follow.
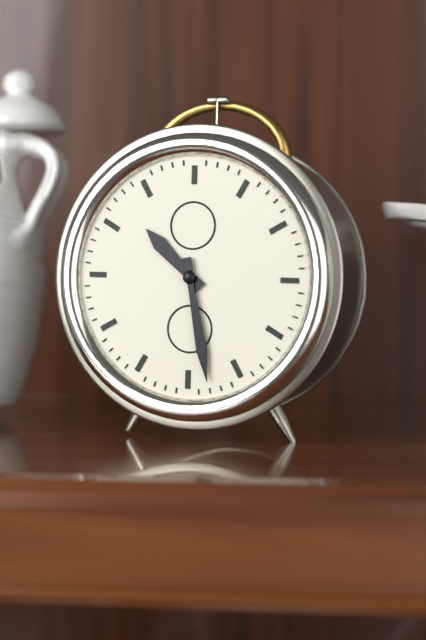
10h28
